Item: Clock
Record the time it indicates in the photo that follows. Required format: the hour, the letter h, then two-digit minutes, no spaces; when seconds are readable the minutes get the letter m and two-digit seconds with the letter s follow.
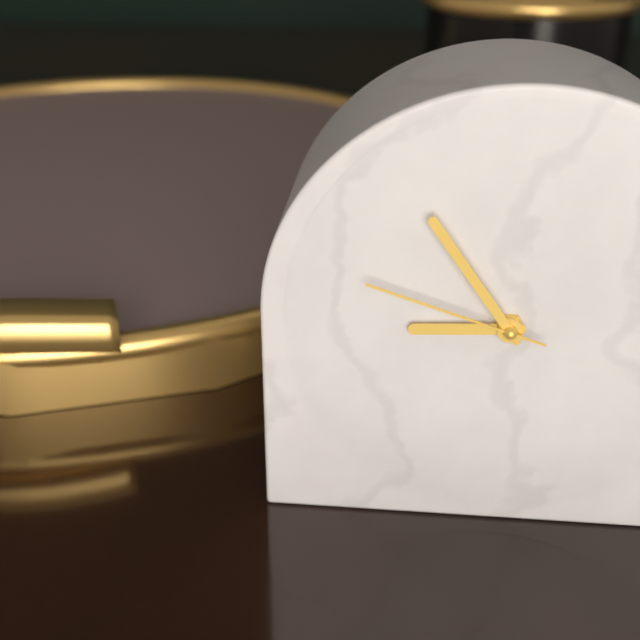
8h54m48s
